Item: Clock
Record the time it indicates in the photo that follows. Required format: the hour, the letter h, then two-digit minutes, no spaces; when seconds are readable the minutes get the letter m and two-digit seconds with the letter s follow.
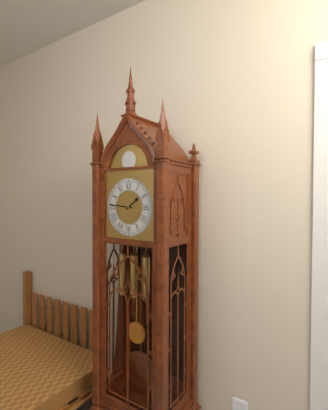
1h46
